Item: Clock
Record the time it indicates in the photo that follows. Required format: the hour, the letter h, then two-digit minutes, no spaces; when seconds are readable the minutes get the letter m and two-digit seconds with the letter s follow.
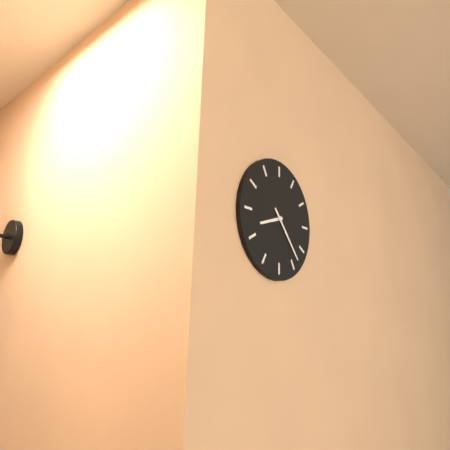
8h23
